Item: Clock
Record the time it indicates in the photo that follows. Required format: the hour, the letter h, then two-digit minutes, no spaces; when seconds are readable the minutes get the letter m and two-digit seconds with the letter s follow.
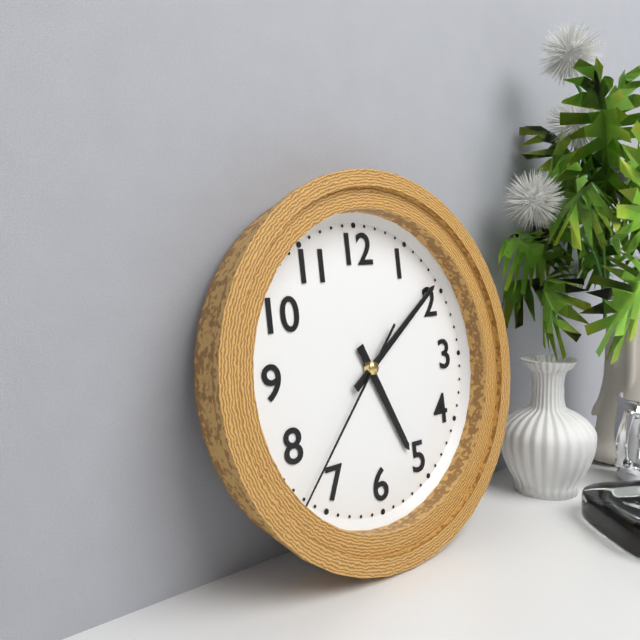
5h09m37s
